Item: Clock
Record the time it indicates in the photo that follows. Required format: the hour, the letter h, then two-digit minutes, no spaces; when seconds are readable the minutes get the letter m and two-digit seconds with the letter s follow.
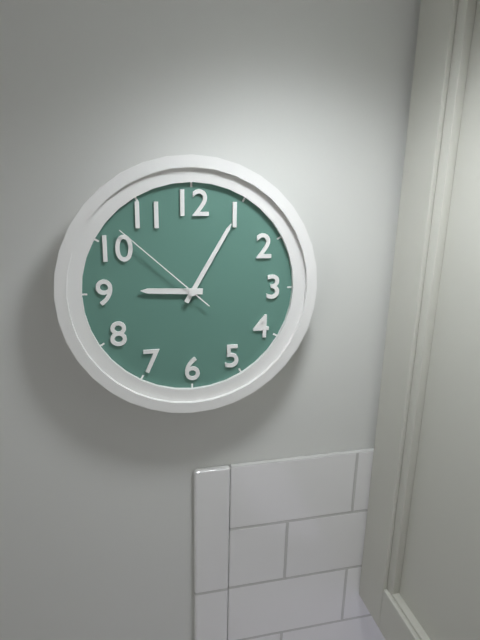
9h05m52s
